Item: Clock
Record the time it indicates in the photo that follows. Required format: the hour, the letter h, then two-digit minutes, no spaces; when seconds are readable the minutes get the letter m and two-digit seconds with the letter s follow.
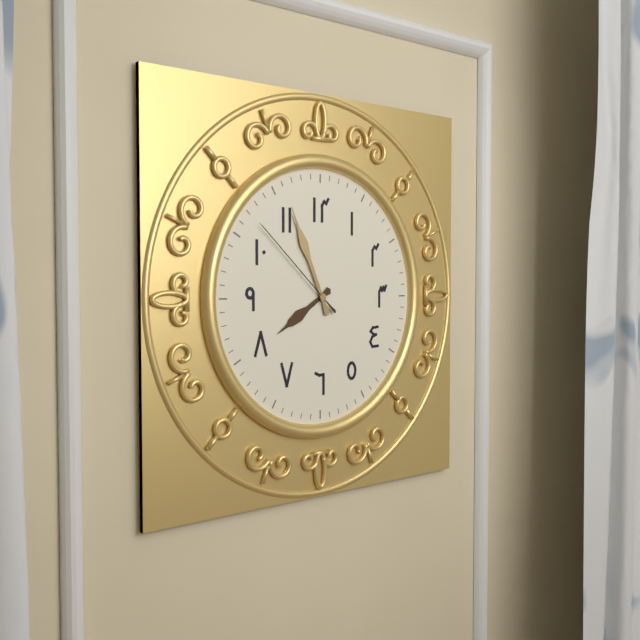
7h56m52s
